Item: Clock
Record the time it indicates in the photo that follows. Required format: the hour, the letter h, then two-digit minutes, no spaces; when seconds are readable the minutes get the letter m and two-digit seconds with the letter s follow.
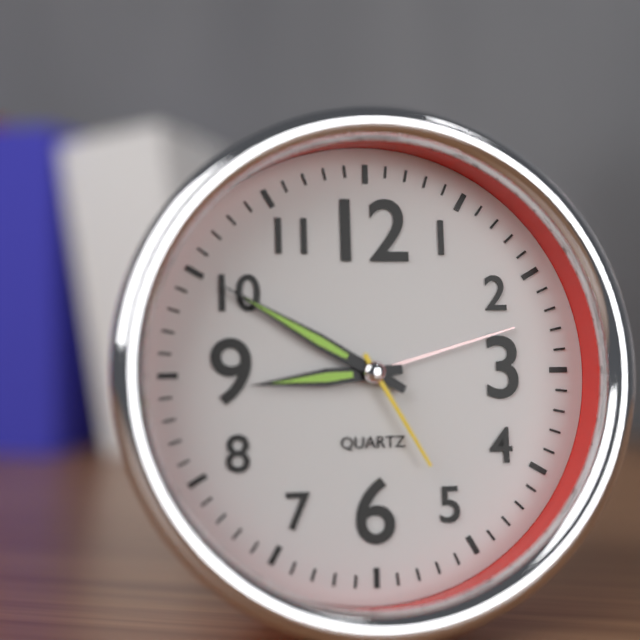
8h50m25s
